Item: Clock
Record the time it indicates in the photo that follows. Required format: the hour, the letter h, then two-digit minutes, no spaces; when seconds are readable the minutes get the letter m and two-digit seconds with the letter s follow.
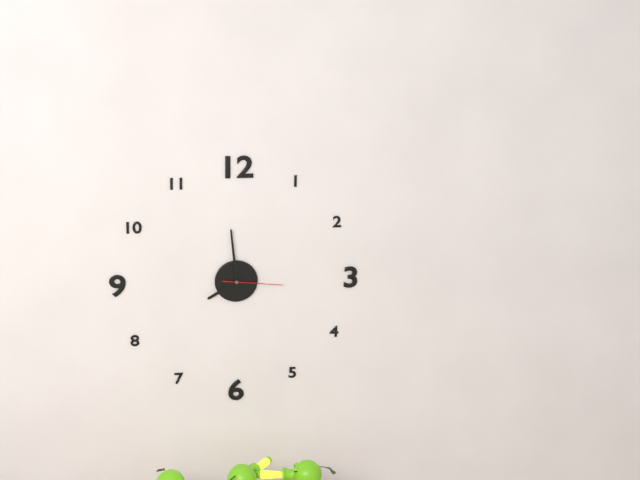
7h59m16s
